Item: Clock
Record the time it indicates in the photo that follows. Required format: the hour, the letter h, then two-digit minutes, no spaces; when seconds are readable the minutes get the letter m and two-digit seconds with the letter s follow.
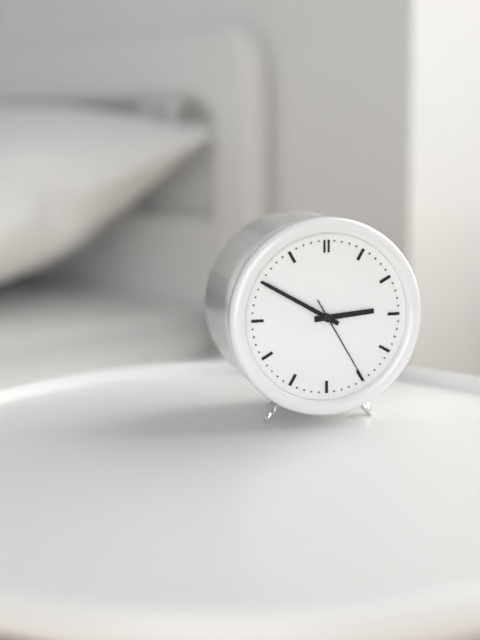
2h50m25s
